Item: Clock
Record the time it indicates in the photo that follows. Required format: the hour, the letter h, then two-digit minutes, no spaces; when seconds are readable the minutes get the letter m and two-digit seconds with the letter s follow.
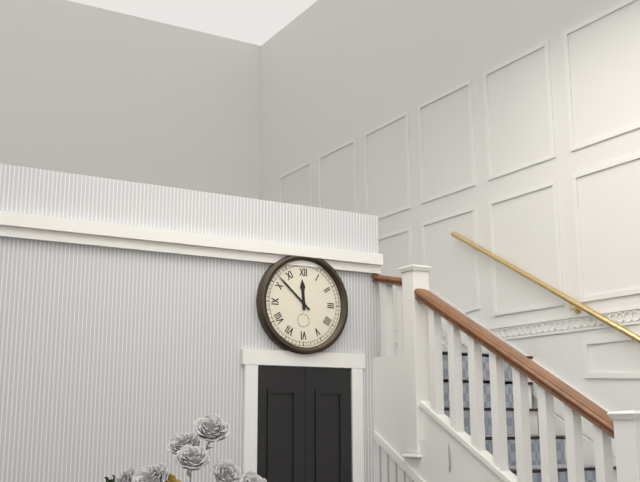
11h52
